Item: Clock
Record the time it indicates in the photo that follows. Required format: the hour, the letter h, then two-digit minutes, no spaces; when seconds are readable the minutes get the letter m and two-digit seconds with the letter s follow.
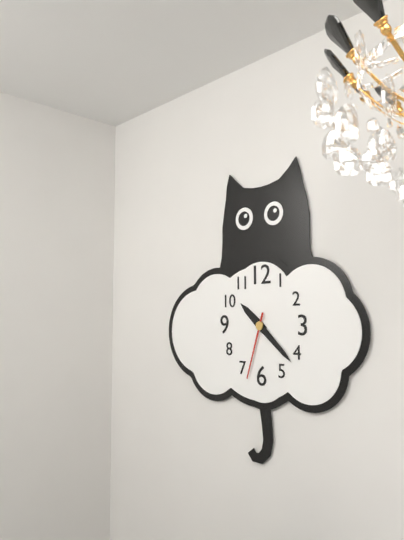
10h22m33s
